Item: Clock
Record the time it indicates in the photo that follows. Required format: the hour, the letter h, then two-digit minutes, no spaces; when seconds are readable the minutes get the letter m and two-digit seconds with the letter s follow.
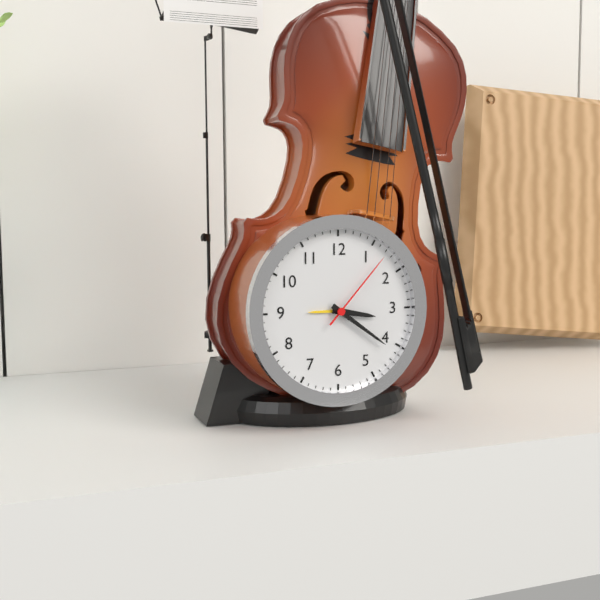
3h21m07s
